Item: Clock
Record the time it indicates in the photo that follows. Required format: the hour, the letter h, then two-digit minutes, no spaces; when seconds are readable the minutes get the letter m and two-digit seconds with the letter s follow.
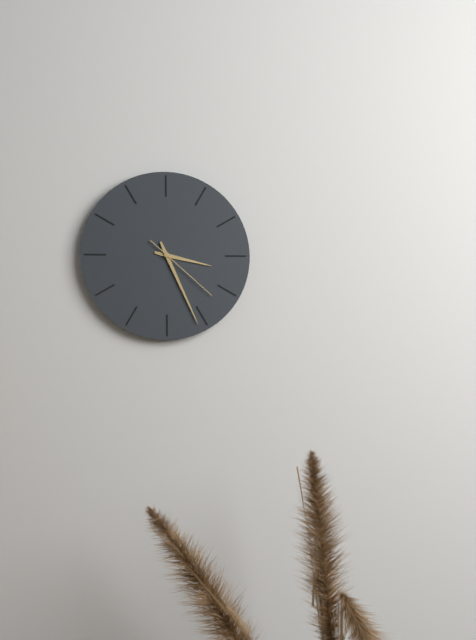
3h26m22s
